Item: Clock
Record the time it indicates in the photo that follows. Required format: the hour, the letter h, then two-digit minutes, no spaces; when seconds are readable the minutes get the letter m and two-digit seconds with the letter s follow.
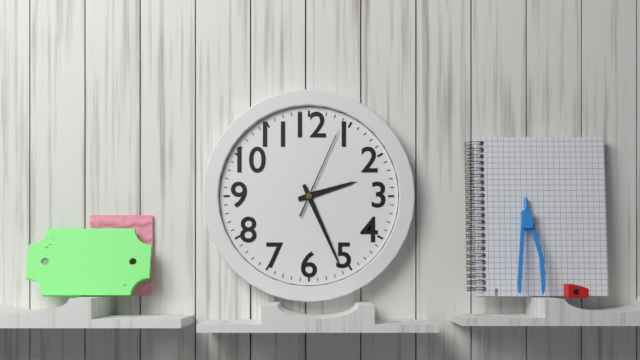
2h26m04s
